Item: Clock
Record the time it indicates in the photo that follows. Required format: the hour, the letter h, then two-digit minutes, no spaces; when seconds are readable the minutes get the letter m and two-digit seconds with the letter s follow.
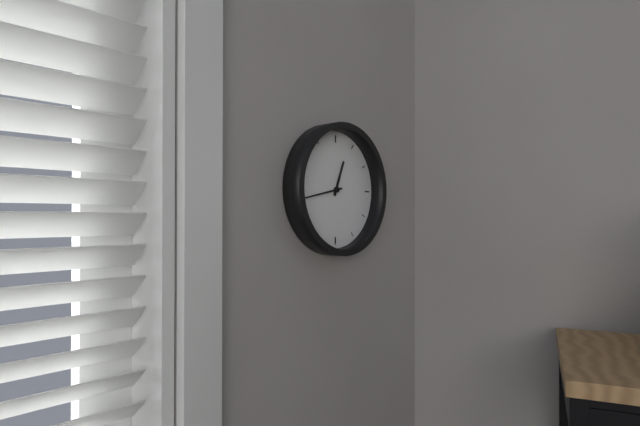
12h43
